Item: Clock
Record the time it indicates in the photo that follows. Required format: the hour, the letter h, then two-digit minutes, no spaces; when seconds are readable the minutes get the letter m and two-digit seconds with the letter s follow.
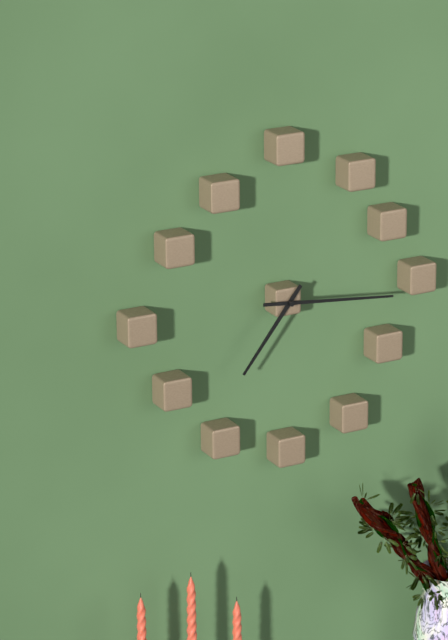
7h16
